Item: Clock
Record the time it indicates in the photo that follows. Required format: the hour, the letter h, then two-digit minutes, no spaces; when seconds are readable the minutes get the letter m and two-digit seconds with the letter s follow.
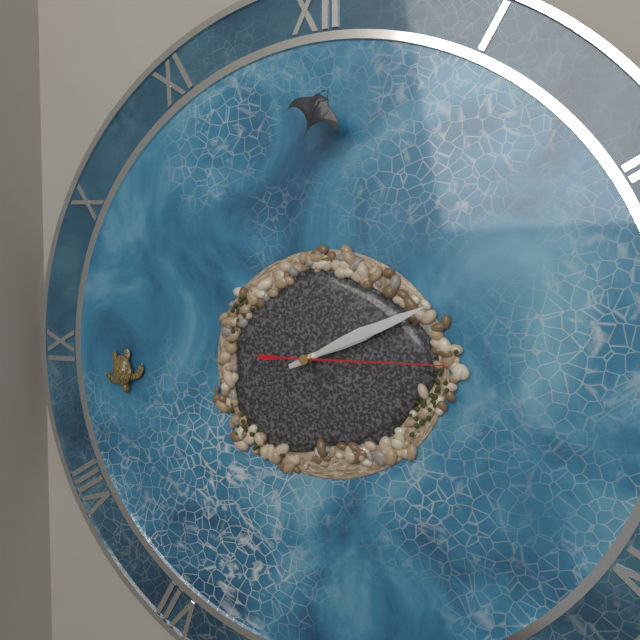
2h11m15s
